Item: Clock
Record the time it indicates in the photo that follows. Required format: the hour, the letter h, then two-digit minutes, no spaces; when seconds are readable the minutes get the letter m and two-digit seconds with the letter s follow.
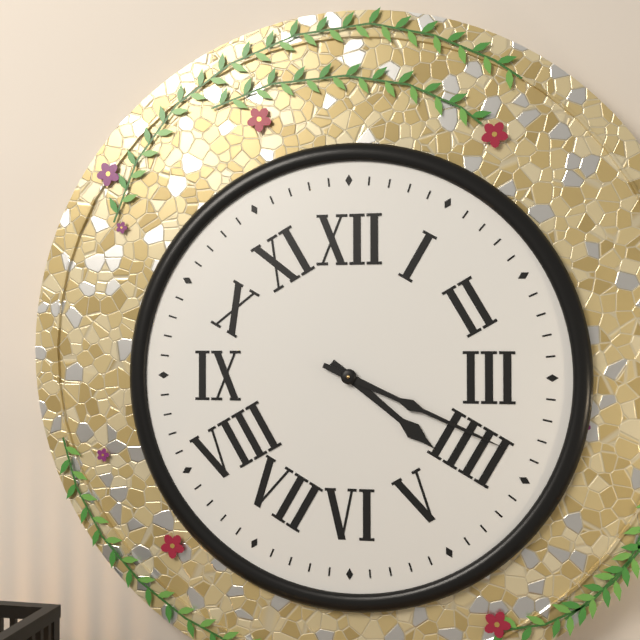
4h19
